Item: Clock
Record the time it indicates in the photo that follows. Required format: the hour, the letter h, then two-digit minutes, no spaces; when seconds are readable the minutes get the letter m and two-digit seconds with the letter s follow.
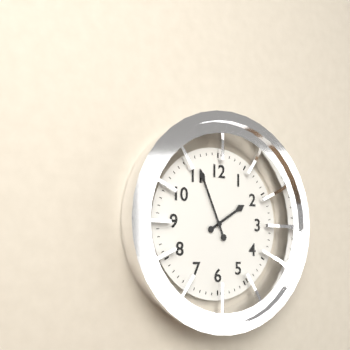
1h56
